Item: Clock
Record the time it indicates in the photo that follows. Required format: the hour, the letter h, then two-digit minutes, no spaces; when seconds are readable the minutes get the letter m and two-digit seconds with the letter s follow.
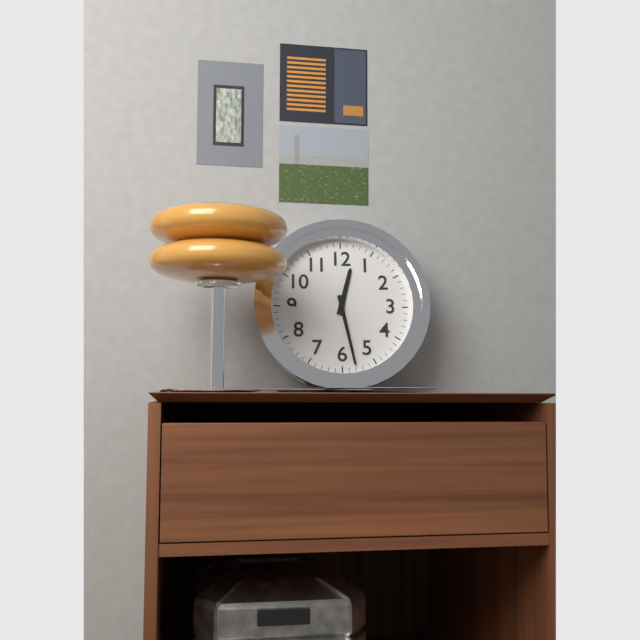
12h28
